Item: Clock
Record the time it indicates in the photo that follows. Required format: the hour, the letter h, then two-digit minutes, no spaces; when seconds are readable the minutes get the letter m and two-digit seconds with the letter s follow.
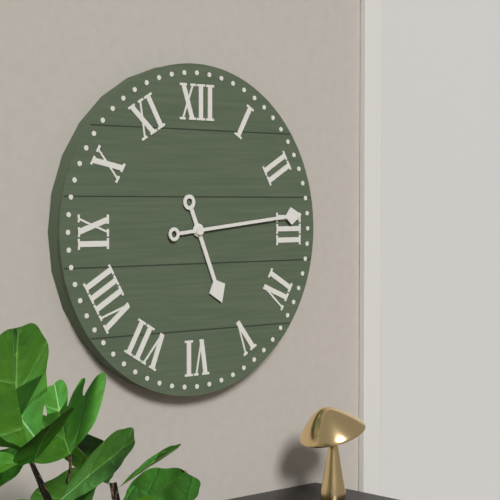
5h14
